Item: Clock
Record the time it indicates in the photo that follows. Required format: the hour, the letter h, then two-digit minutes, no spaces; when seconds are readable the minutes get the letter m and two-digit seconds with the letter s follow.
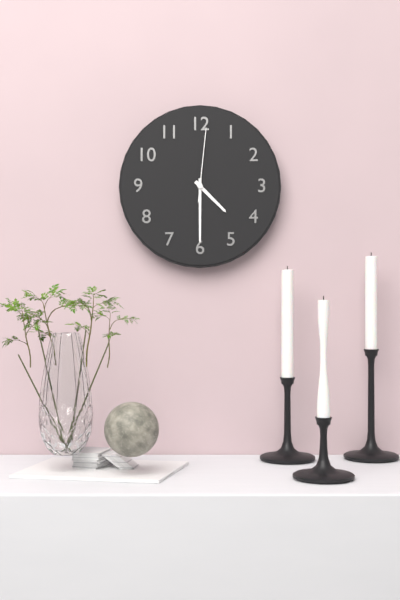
4h30m01s
